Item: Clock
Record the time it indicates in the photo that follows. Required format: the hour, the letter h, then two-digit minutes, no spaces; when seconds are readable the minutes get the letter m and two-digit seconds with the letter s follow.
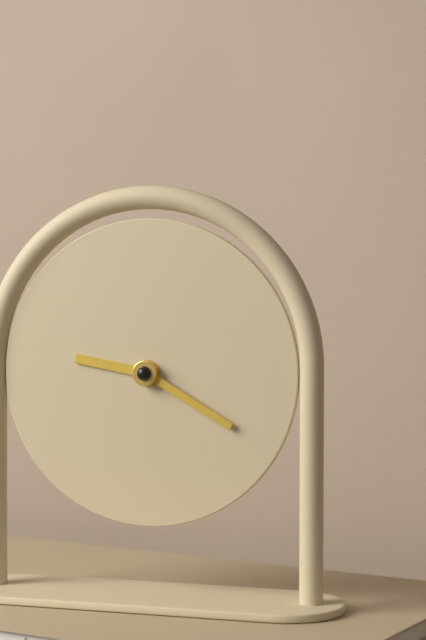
9h20
